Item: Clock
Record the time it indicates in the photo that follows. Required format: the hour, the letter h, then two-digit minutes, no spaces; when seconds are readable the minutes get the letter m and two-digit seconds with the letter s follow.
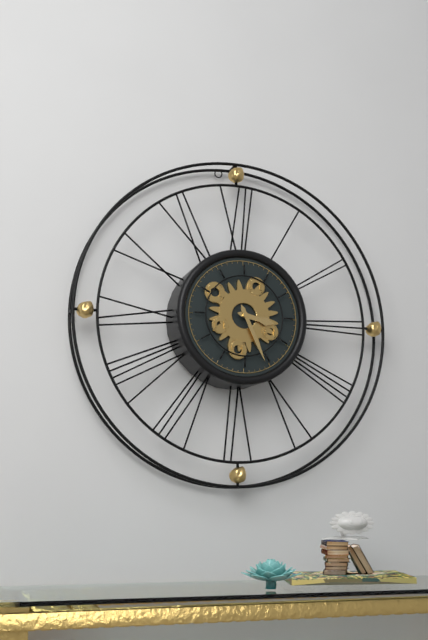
3h26
